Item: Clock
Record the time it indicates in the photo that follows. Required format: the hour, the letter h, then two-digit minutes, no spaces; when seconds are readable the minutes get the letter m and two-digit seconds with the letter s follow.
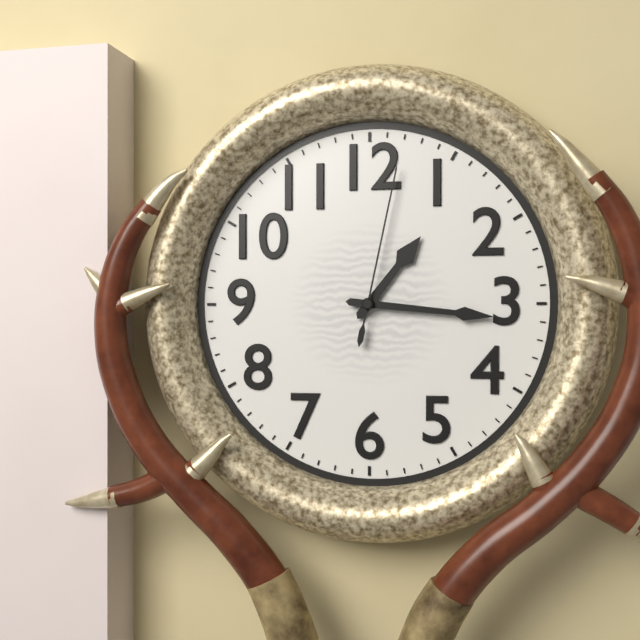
1h16m02s
